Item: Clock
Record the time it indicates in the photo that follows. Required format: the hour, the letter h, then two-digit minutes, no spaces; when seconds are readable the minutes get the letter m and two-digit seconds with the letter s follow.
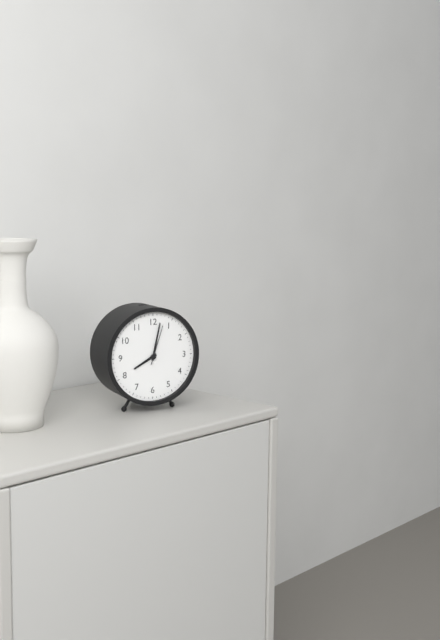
8h02
